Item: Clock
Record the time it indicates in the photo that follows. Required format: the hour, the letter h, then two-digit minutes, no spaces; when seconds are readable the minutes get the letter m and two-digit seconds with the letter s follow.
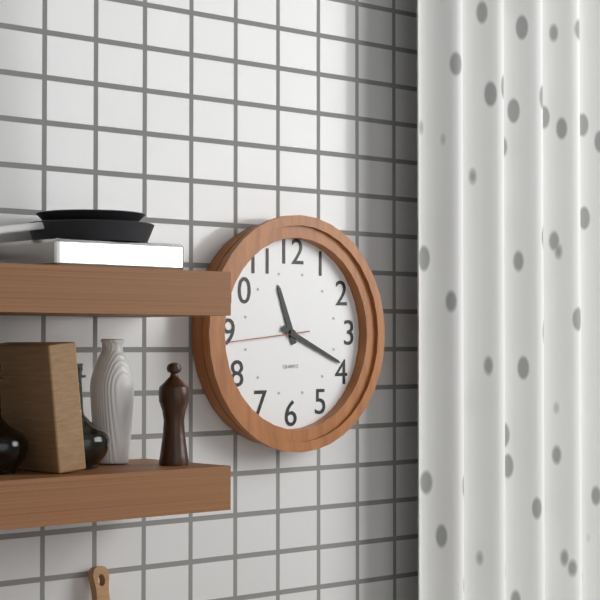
11h19m44s
